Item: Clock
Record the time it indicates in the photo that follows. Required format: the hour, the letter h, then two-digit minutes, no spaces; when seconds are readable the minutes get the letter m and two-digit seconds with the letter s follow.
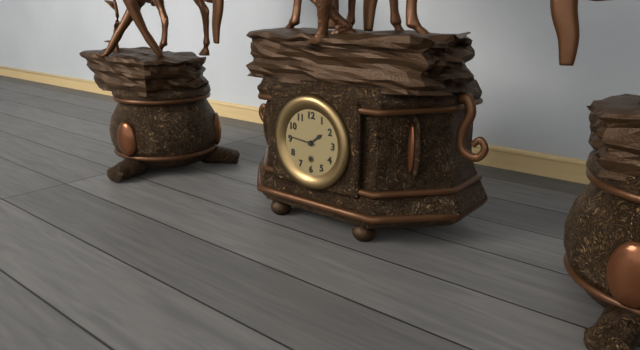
1h46
